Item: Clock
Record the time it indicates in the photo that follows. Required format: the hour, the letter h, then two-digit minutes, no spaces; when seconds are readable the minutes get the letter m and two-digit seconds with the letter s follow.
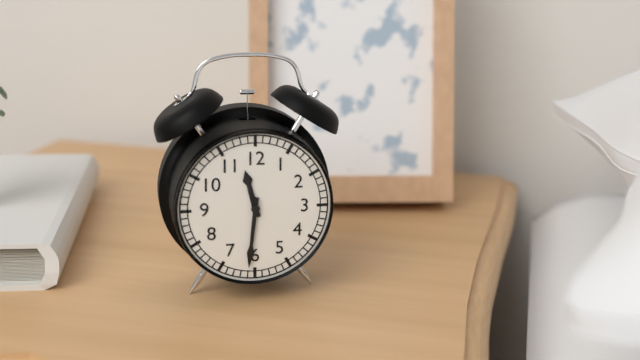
11h31
